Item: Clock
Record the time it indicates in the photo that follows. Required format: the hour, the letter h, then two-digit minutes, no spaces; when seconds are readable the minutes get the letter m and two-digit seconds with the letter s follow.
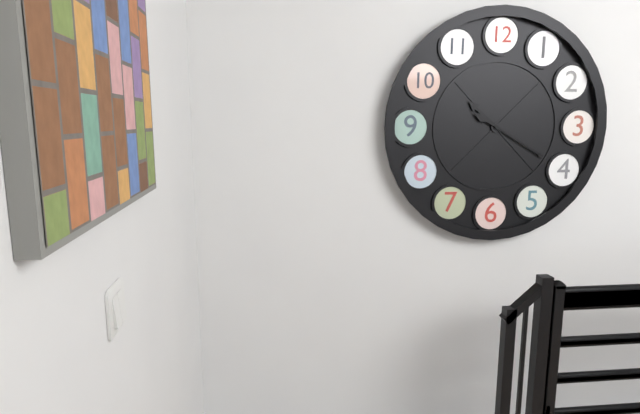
10h20
